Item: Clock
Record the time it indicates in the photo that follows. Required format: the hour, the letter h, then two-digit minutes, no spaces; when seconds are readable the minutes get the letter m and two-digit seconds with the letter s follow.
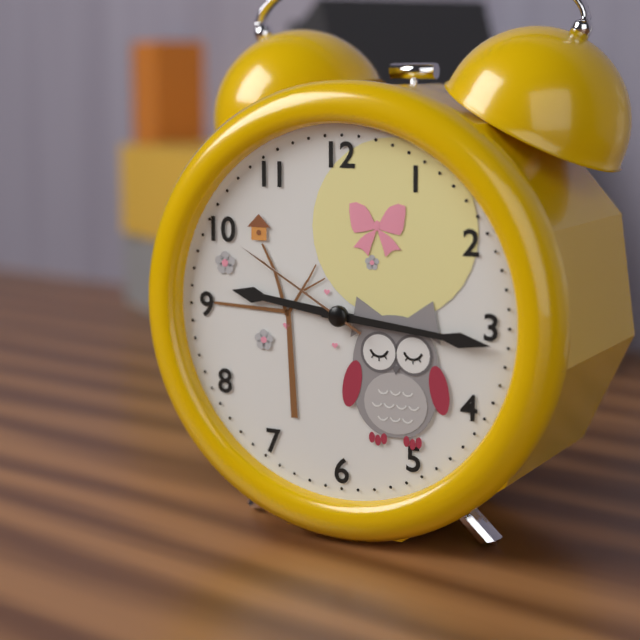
9h16m50s
